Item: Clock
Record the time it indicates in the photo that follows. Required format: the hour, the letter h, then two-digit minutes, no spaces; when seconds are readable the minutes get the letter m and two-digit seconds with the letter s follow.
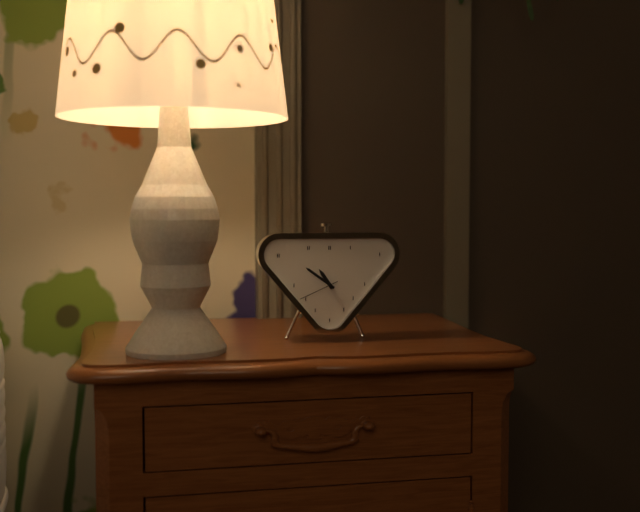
10h51
